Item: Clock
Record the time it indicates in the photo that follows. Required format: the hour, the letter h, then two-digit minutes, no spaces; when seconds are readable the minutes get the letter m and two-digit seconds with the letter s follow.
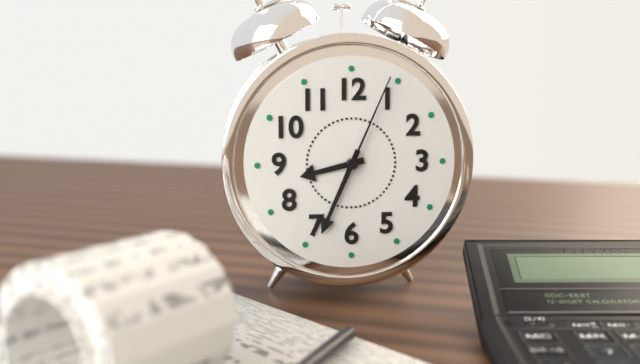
8h34m04s
